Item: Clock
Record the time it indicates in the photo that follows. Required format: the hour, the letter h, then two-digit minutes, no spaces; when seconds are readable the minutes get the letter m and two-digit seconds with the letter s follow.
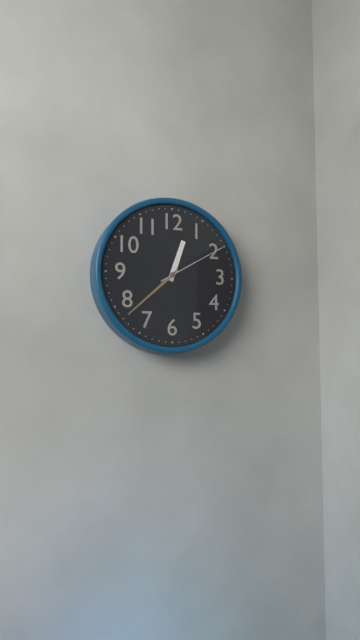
12h38m10s
